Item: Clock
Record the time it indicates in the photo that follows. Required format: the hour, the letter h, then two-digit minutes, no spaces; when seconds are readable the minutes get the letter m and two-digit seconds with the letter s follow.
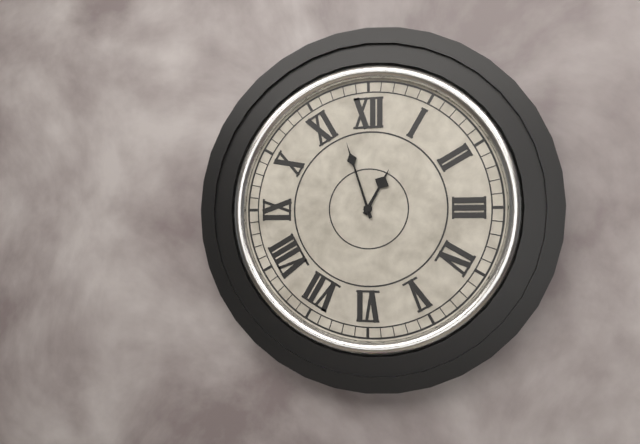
12h57
